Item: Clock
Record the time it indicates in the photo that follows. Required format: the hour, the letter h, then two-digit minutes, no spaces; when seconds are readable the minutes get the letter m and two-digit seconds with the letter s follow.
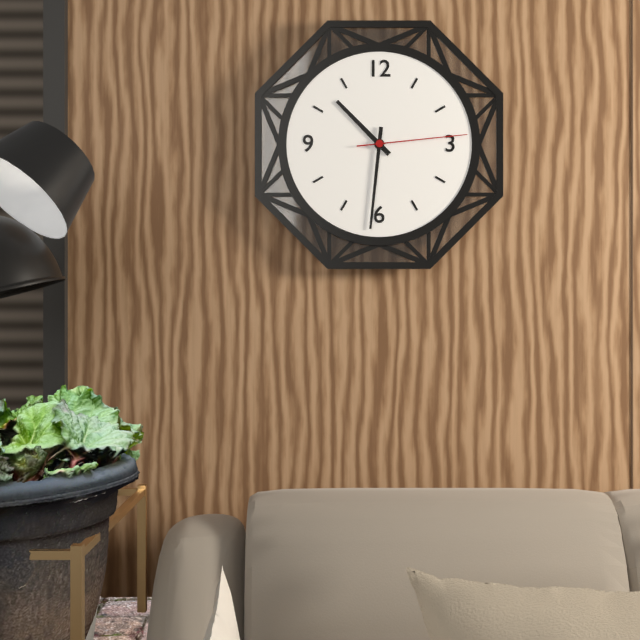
10h31m14s
